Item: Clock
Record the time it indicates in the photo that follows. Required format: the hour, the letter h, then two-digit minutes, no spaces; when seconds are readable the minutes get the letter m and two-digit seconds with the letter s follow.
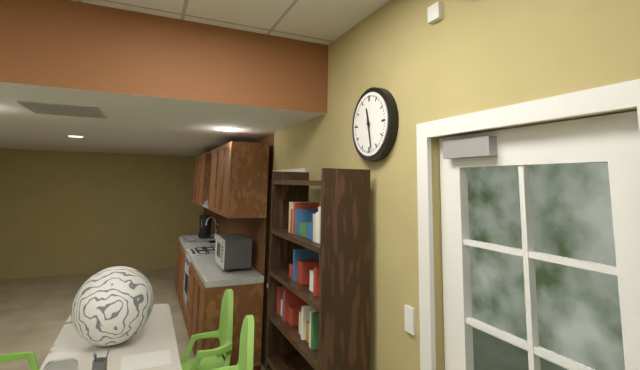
11h28
